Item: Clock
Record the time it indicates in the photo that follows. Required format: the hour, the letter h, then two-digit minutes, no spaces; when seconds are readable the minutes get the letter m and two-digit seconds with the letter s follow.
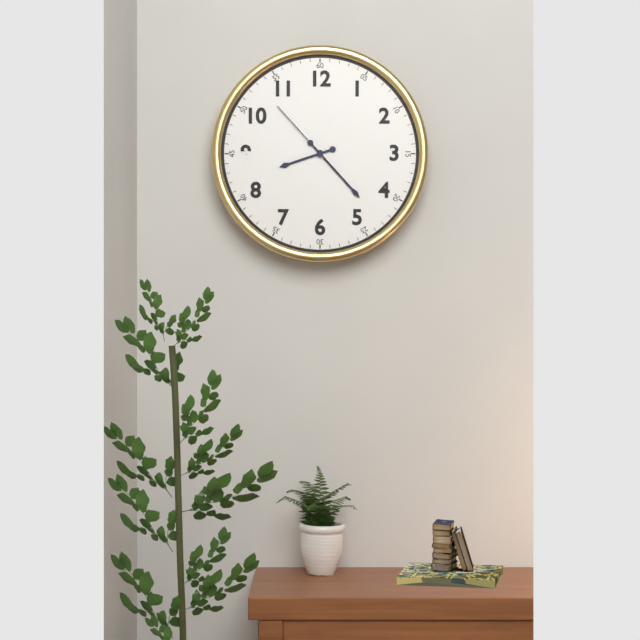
8h23m53s
